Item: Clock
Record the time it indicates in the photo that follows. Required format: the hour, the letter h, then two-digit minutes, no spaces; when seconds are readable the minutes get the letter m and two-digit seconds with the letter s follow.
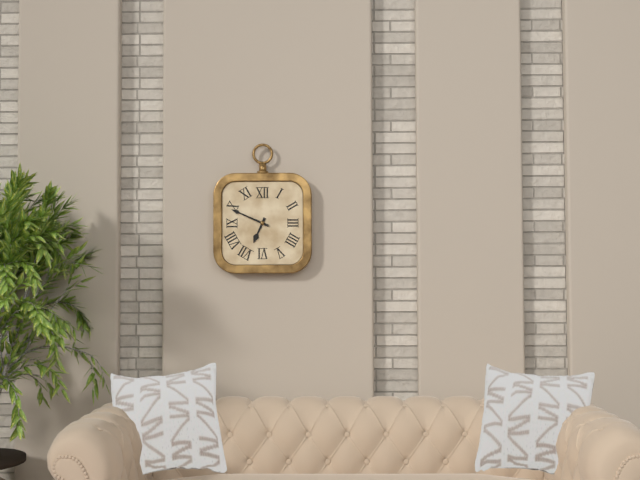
6h49
